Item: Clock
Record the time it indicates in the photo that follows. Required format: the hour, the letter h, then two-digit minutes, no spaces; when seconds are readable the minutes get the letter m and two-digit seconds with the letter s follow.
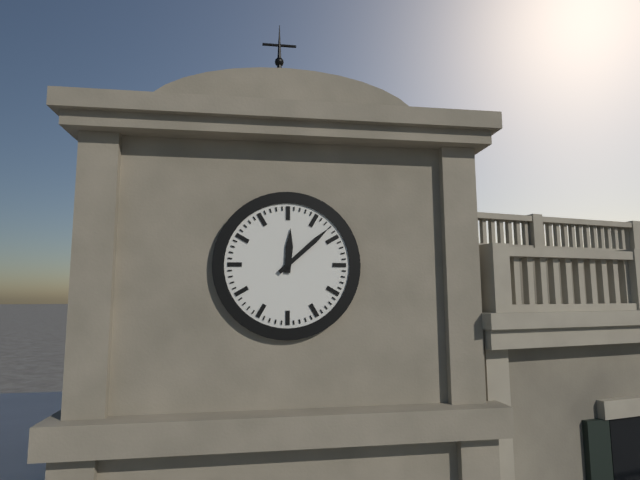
12h08
